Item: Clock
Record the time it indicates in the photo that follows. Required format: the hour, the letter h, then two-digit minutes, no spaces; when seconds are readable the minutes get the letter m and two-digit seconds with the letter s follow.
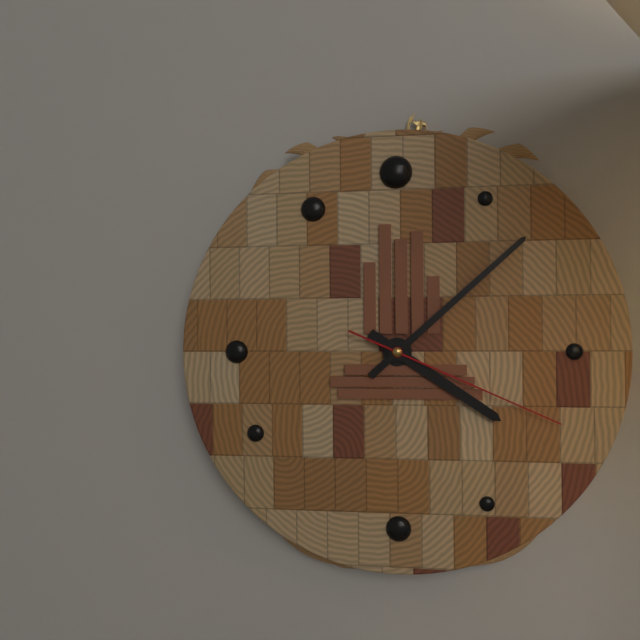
4h08m19s
